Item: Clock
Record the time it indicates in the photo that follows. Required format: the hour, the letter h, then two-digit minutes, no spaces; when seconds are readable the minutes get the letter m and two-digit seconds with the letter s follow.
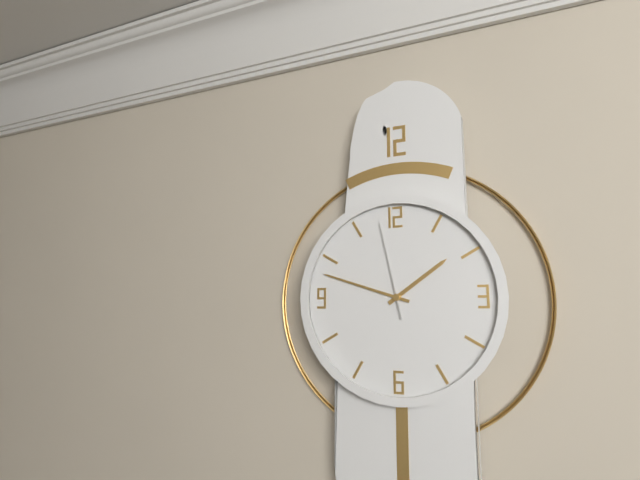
1h48m58s
